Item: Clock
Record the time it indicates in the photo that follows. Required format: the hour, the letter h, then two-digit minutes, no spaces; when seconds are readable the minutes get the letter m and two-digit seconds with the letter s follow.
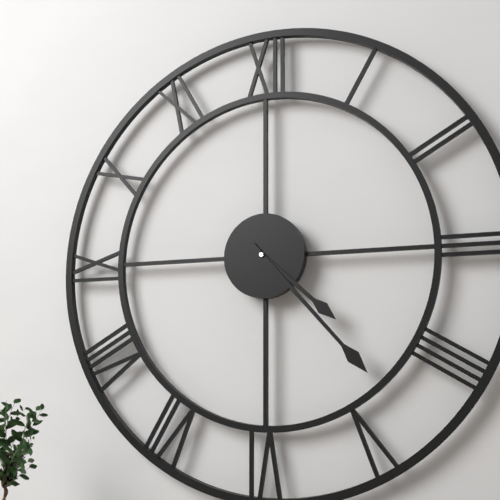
4h23
